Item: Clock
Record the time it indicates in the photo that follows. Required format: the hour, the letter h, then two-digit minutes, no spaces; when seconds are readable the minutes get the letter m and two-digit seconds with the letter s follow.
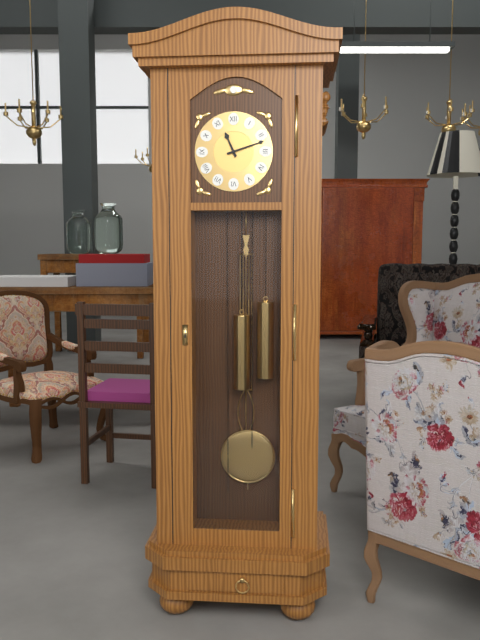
11h12
